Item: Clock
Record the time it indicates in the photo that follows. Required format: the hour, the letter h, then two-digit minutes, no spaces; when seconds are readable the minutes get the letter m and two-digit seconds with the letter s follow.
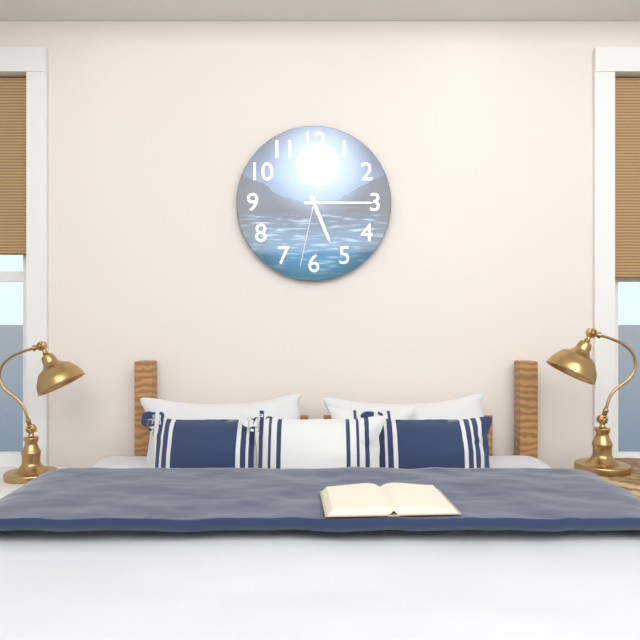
5h15m32s
